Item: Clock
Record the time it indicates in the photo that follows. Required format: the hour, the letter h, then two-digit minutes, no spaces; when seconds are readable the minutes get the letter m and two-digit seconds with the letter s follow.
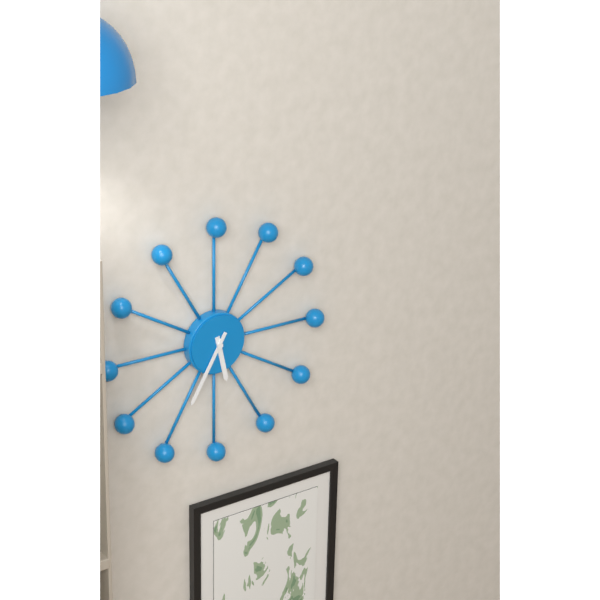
5h35
